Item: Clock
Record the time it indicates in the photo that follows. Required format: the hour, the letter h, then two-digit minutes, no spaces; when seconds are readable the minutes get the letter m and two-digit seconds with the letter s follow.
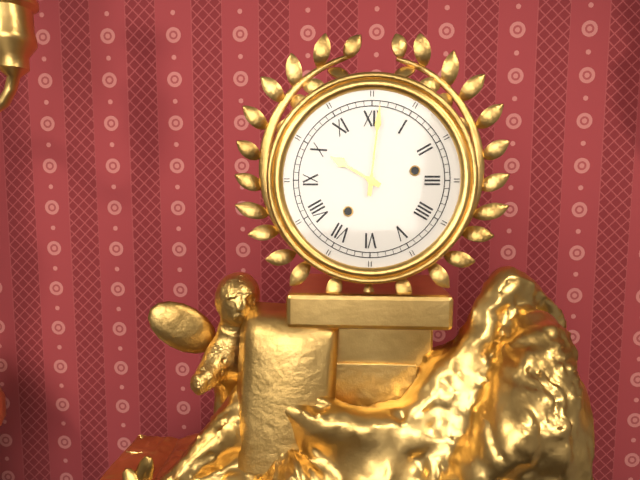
10h01
